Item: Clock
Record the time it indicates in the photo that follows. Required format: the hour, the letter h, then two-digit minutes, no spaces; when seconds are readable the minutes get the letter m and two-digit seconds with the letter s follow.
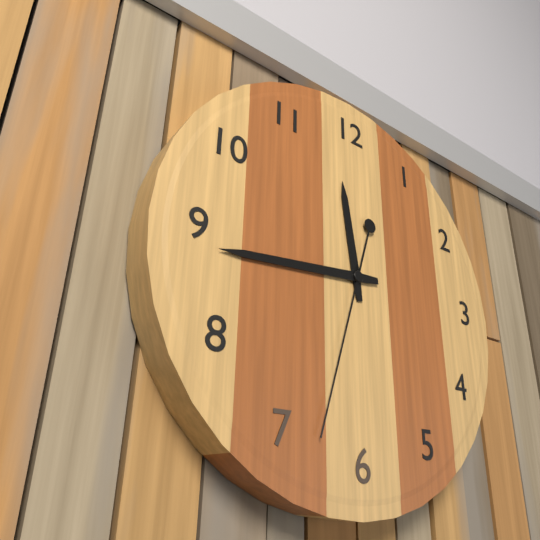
11h44m33s
